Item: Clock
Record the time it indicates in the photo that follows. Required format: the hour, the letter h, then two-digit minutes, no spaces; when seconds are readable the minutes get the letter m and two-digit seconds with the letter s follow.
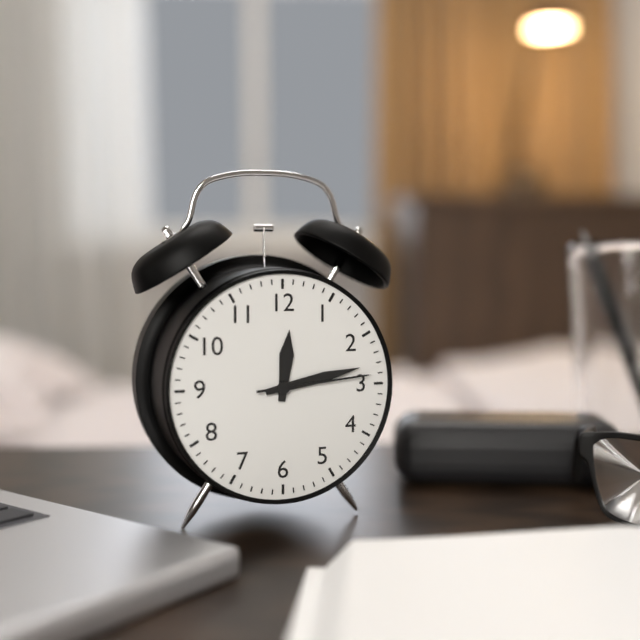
12h13m14s
